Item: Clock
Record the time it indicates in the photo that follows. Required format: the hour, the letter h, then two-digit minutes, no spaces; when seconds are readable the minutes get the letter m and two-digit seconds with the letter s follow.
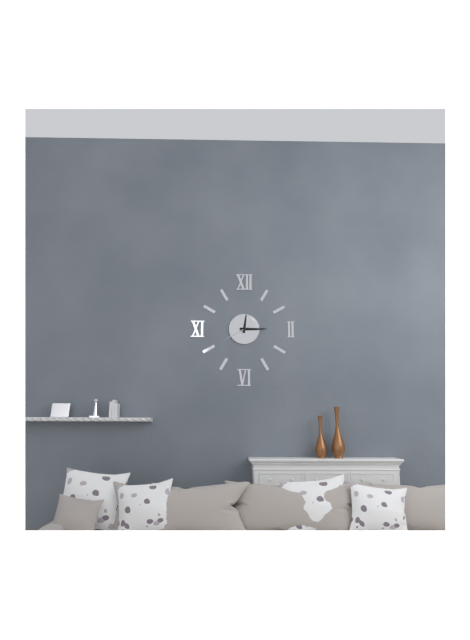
12h15
